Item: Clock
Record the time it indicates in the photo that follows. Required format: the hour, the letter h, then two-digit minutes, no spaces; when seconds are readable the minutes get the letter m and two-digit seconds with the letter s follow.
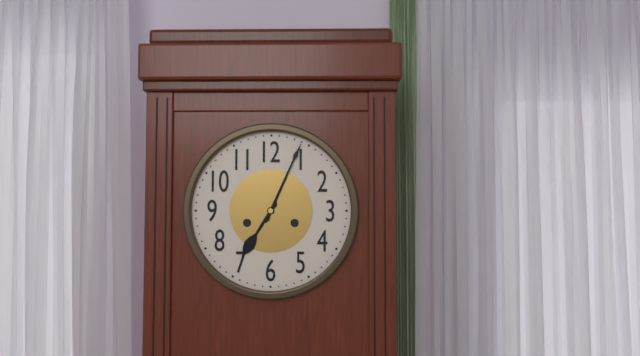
7h04
